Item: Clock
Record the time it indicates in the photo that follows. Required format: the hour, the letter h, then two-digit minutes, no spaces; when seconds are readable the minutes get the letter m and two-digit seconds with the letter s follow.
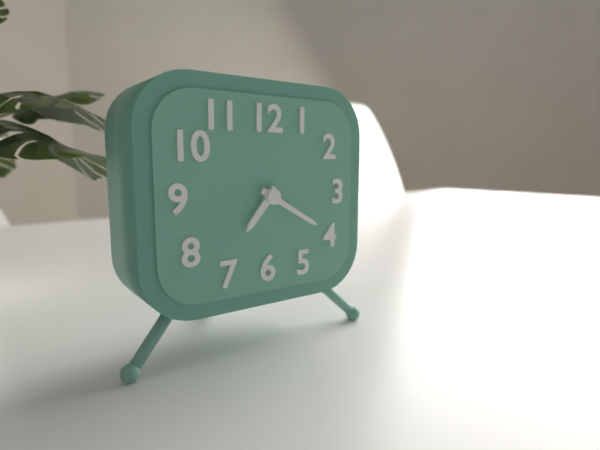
7h20
